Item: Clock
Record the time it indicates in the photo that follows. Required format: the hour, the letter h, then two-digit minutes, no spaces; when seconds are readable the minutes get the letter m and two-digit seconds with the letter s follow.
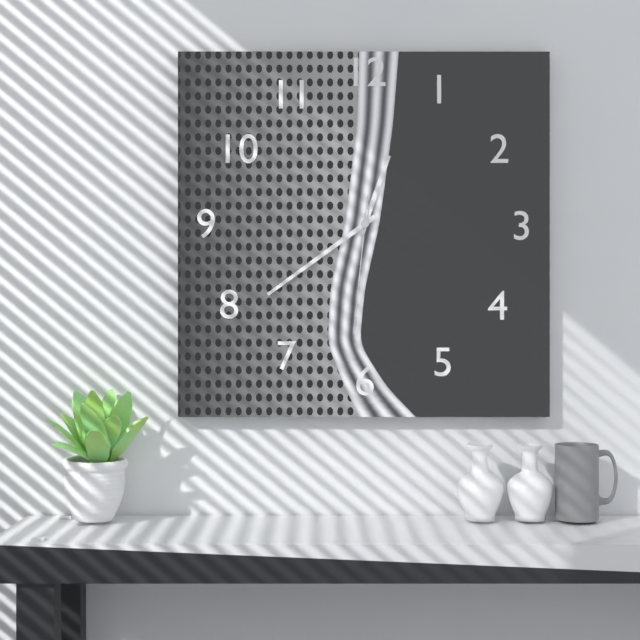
12h39m31s
